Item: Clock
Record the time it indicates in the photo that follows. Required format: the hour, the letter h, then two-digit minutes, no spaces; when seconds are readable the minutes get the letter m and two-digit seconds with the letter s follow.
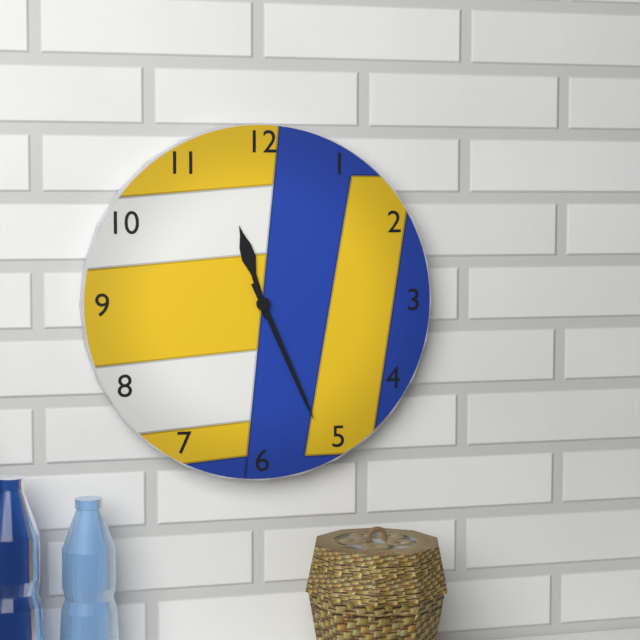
11h26
